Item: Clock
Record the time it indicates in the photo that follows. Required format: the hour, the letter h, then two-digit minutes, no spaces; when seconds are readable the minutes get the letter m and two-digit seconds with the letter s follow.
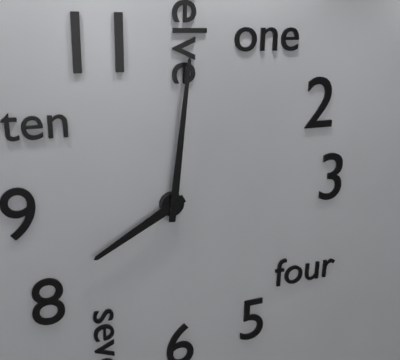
8h01
